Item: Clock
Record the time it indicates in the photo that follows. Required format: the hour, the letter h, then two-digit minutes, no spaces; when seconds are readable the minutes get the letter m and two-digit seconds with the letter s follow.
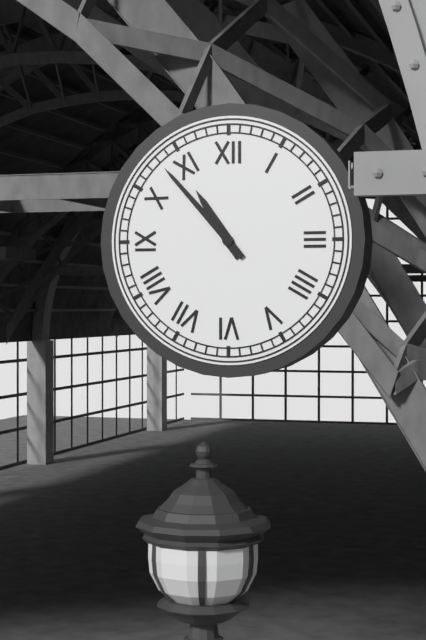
10h53
